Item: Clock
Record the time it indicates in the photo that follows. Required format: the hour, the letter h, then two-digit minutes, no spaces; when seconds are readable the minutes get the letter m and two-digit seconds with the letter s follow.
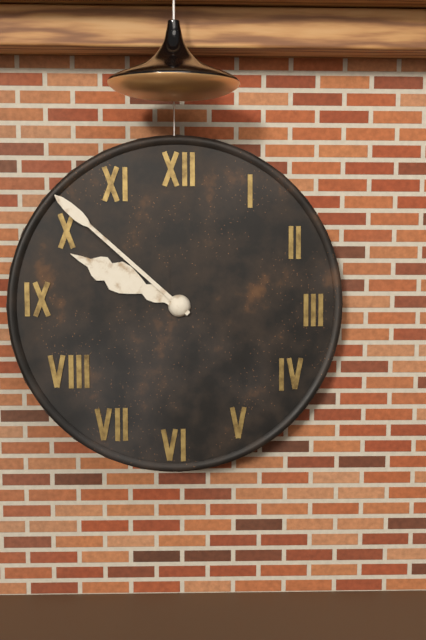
9h52
